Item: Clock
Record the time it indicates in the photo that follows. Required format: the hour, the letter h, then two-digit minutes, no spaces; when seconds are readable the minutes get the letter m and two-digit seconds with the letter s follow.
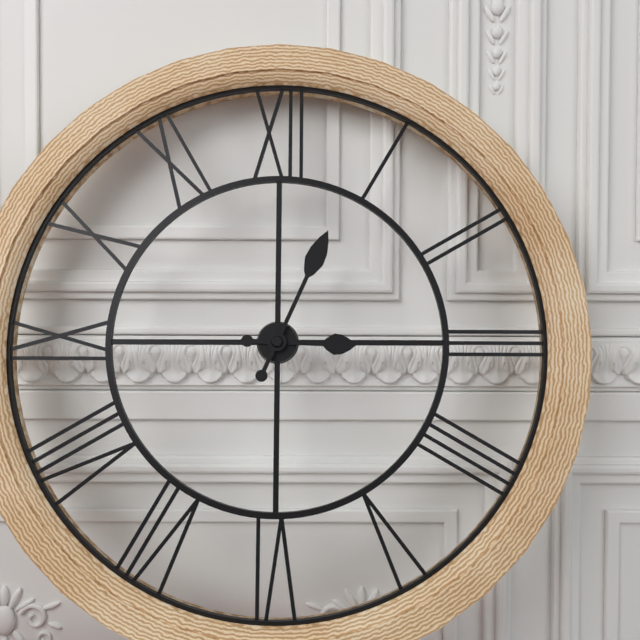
3h04
